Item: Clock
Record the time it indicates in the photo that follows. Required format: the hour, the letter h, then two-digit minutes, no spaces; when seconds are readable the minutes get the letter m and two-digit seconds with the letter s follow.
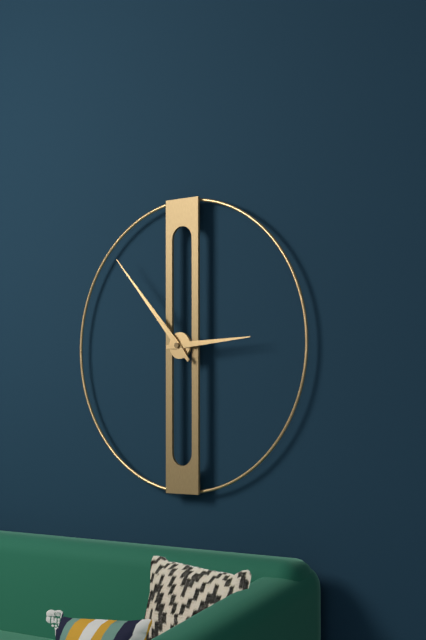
2h53
